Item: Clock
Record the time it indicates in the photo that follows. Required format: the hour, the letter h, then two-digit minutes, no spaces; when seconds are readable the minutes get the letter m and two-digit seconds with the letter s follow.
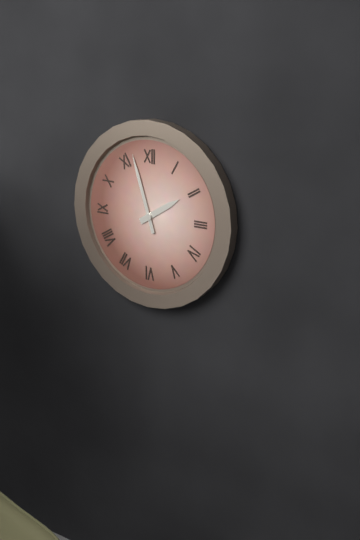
1h57
